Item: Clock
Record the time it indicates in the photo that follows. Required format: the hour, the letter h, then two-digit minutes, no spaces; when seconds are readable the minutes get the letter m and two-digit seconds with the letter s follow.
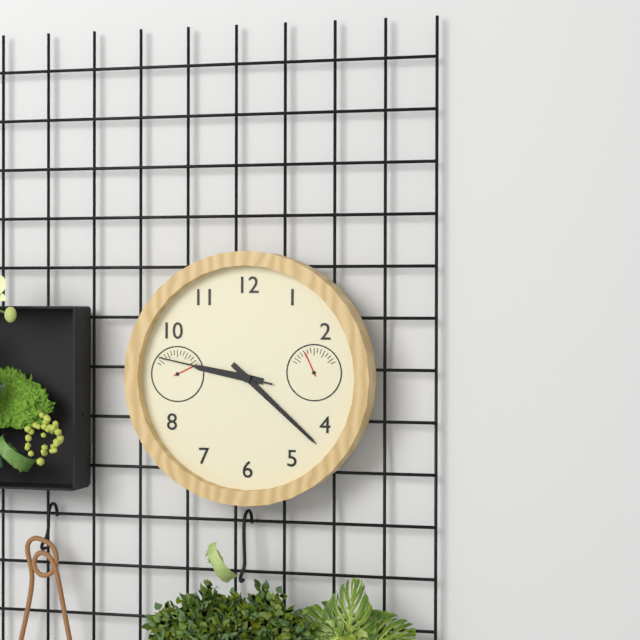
9h22m47s
